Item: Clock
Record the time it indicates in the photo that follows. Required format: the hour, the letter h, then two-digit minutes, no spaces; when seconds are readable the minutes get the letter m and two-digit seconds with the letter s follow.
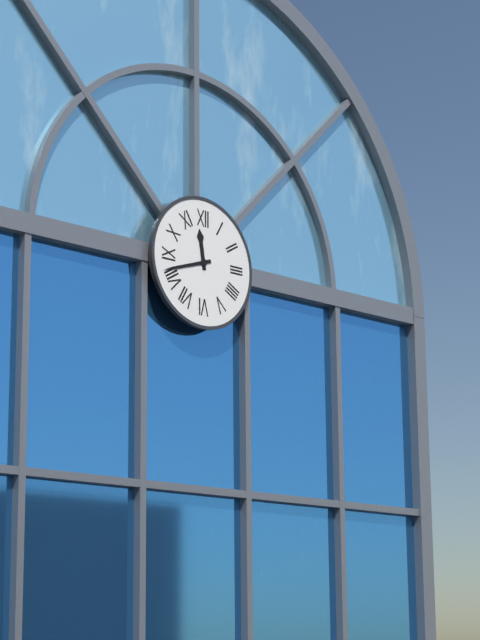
11h42
